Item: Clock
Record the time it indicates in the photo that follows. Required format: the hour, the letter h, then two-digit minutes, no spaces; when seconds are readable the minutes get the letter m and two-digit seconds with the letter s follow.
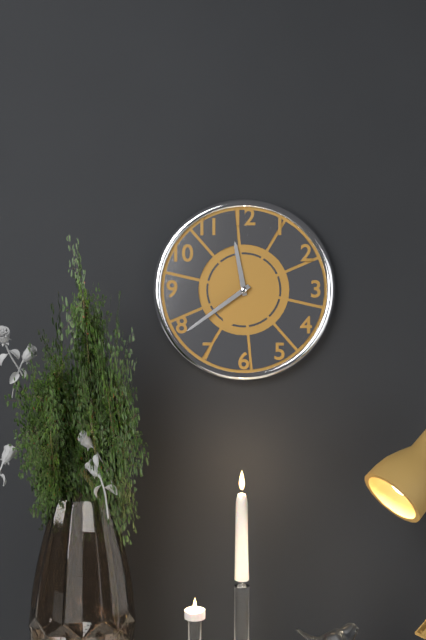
11h39
